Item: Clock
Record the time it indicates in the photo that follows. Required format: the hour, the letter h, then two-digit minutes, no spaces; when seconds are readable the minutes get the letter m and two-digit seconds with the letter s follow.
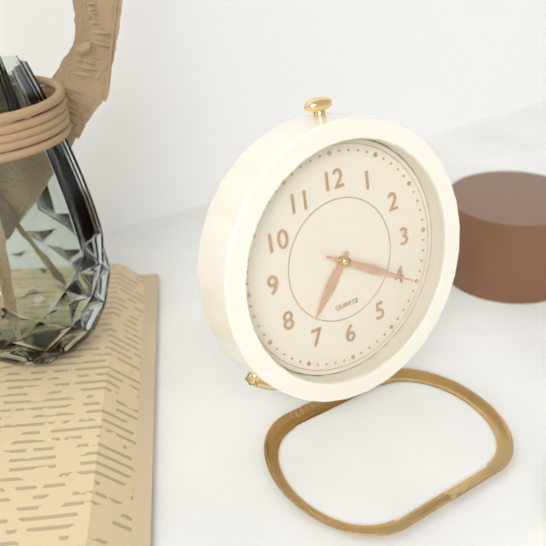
7h20m20s
